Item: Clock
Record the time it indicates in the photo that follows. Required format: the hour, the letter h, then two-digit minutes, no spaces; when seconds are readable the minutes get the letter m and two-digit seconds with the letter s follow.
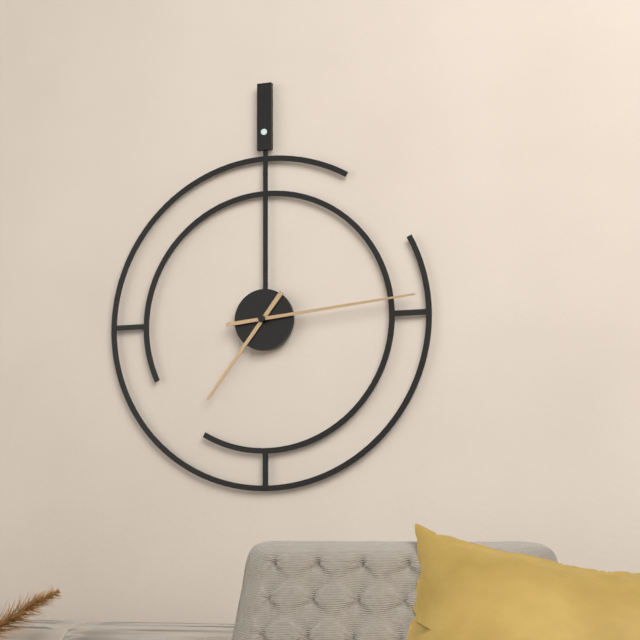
7h14
